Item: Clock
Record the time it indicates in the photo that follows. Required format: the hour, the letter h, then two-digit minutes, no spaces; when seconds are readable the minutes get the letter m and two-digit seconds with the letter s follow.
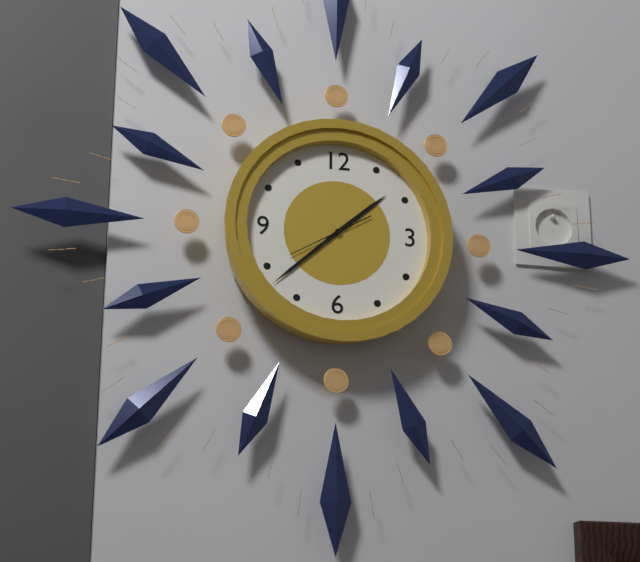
1h38m40s
